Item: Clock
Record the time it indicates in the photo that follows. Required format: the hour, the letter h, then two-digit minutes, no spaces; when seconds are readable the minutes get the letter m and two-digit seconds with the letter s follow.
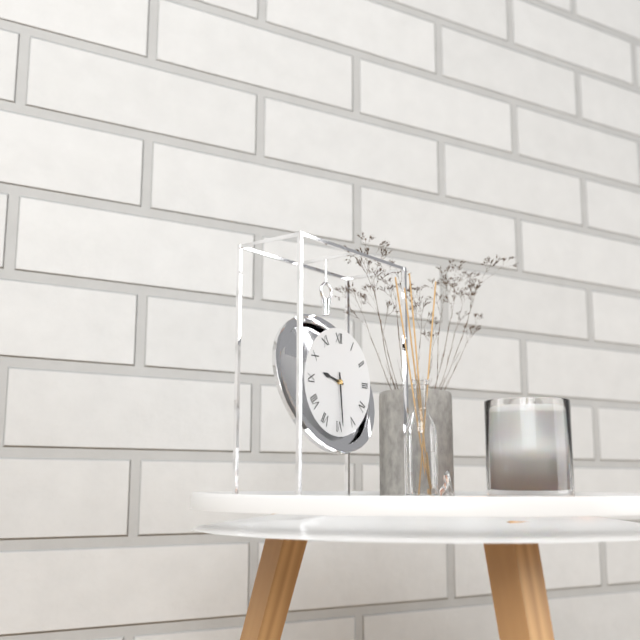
9h29
